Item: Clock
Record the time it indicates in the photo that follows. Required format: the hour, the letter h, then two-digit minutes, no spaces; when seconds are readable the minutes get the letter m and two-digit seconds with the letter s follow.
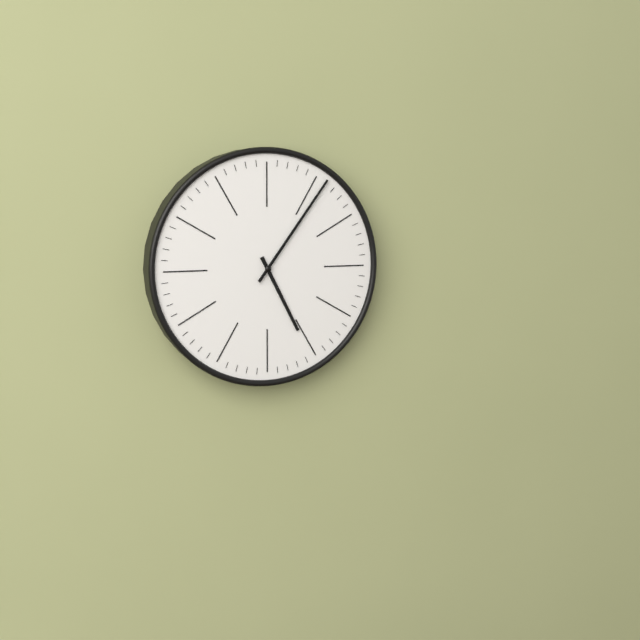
5h06
